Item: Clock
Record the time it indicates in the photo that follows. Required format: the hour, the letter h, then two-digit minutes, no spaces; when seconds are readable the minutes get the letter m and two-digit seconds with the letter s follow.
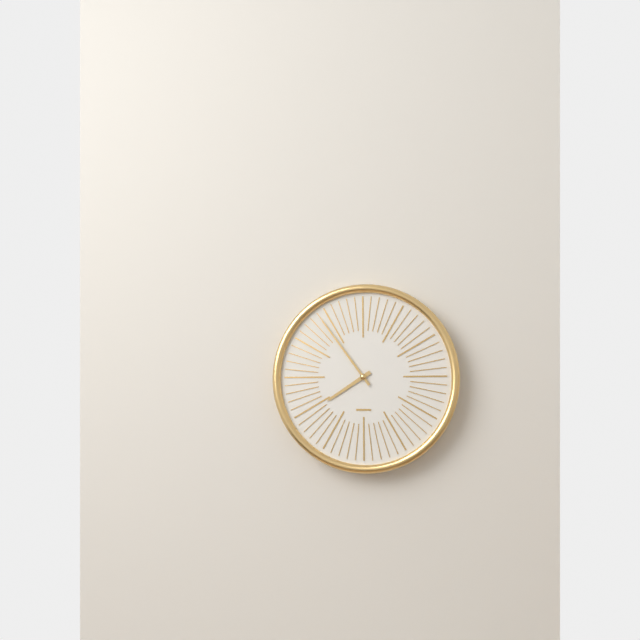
7h54
